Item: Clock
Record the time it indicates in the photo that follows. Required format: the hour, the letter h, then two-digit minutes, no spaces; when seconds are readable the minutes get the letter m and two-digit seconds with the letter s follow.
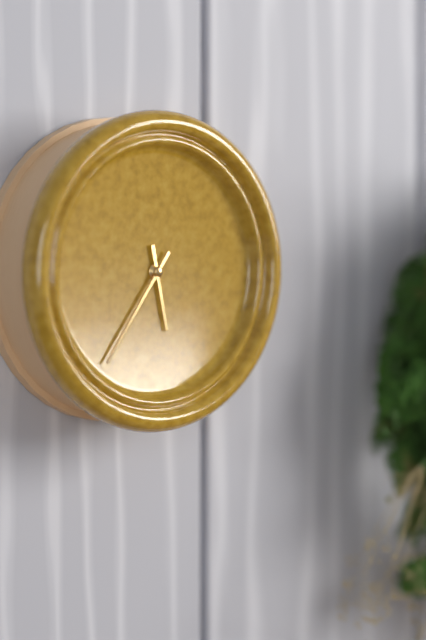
5h36
